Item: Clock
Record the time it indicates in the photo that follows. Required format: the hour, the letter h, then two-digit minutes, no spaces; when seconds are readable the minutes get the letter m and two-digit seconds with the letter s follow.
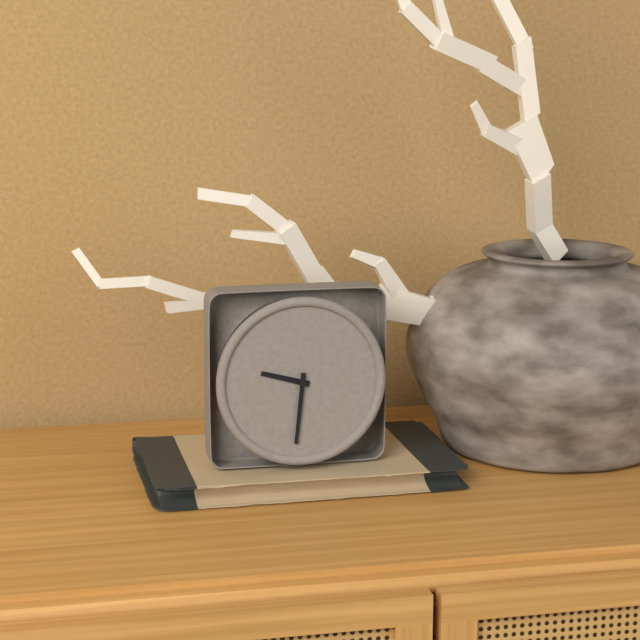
9h31
